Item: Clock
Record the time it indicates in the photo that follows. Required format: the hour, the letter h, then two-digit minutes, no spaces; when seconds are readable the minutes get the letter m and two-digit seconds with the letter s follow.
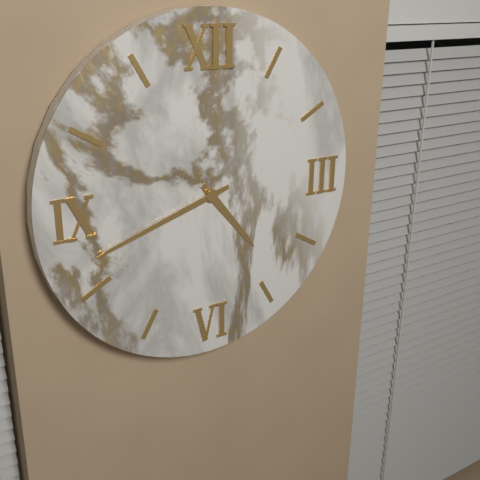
4h42
